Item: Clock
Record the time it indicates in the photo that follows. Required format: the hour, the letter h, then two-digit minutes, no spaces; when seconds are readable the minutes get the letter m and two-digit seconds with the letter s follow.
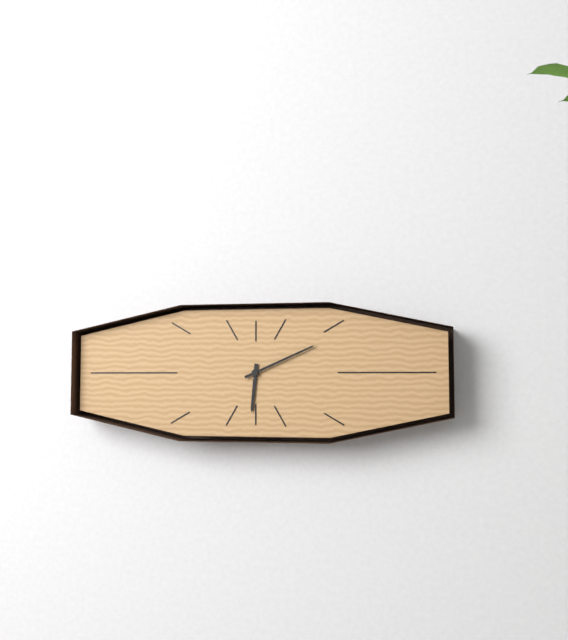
6h11
